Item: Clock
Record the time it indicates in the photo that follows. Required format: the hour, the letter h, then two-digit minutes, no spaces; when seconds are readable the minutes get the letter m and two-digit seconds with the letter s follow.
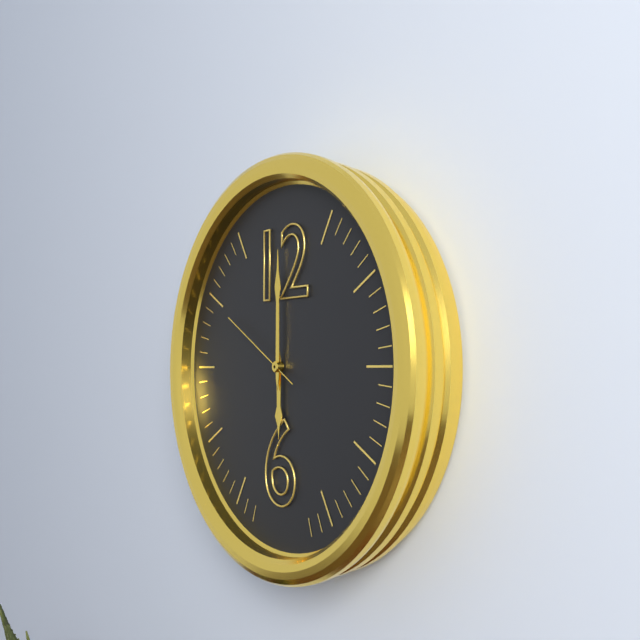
6h00m50s
